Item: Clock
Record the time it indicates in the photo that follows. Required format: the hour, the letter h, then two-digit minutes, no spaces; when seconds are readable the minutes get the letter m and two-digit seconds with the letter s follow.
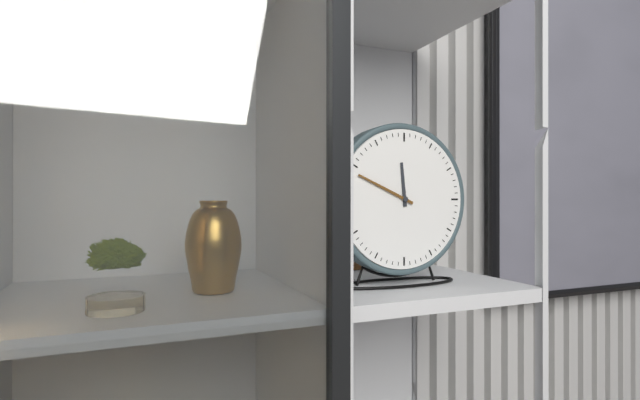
11h49
